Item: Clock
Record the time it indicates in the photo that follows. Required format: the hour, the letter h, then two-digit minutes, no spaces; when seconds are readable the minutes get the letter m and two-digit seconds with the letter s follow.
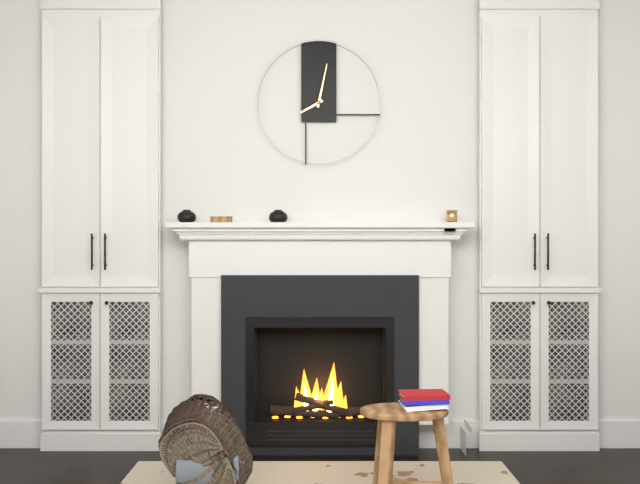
8h02
